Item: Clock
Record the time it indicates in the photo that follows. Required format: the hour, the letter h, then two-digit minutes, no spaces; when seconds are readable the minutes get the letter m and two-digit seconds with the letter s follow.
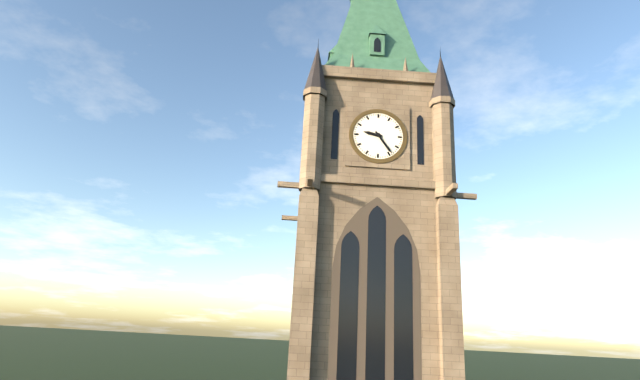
9h24
